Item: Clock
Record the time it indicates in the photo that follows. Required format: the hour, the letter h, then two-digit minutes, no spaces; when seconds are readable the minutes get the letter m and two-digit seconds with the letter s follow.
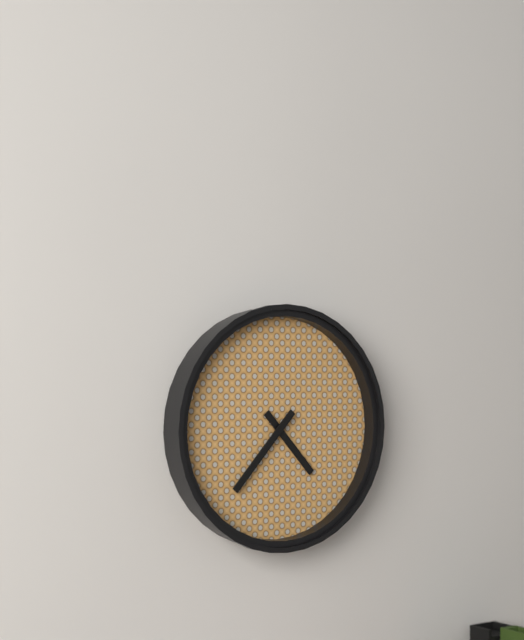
4h37
